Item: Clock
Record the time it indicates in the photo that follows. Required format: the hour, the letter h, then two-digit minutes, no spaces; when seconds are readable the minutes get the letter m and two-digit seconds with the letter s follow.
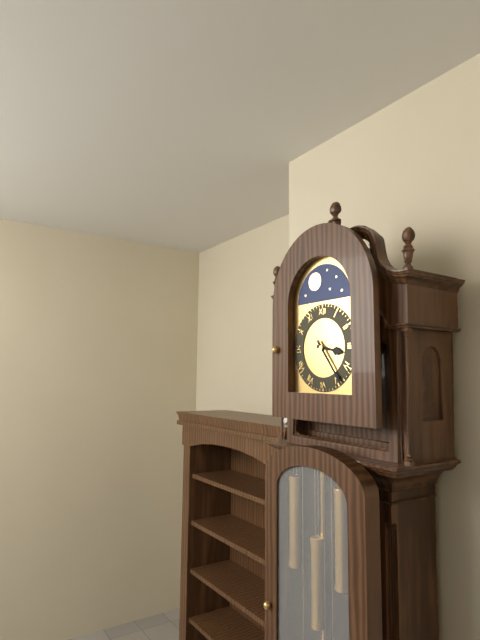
3h24
